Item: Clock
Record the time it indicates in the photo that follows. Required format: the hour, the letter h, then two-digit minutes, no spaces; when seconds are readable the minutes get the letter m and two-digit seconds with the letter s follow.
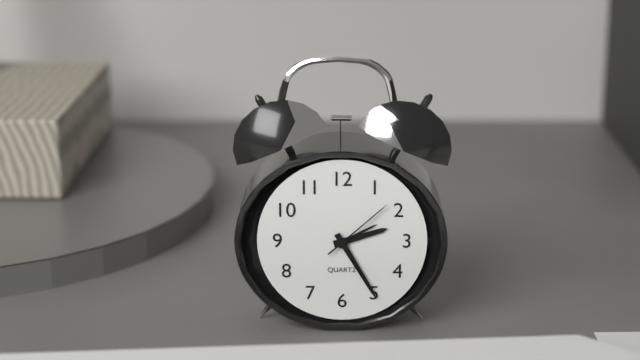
2h25m08s
